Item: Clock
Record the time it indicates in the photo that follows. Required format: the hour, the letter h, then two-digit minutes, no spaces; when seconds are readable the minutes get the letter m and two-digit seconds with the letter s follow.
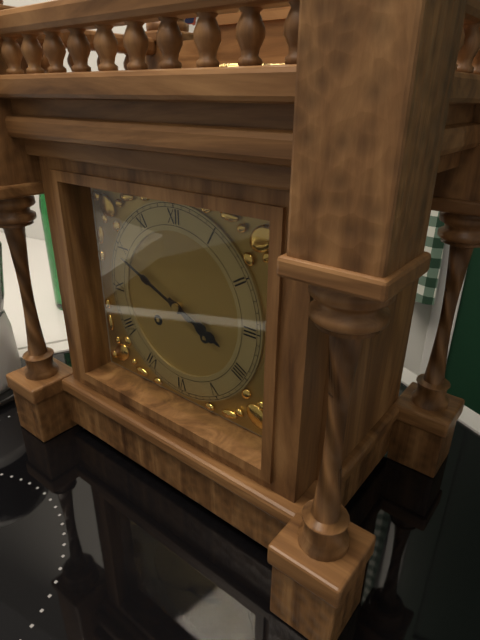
3h49
